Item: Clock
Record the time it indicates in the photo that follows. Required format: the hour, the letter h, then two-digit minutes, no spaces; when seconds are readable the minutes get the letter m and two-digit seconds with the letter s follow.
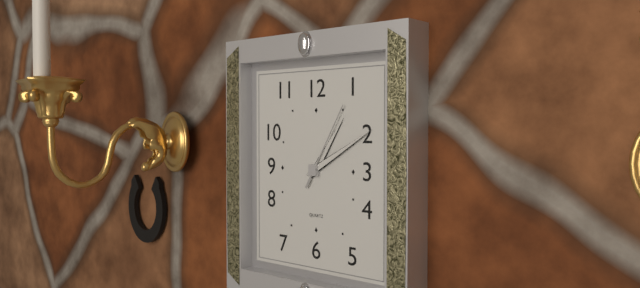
1h10m05s
